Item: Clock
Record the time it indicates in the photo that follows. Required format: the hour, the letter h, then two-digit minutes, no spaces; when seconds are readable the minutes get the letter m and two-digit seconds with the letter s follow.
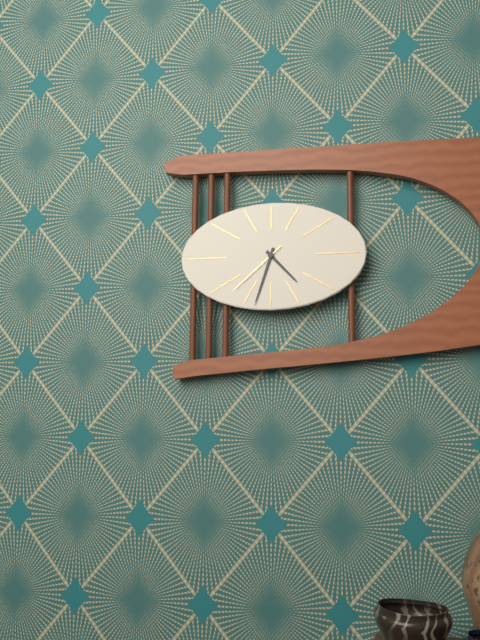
4h33m38s
